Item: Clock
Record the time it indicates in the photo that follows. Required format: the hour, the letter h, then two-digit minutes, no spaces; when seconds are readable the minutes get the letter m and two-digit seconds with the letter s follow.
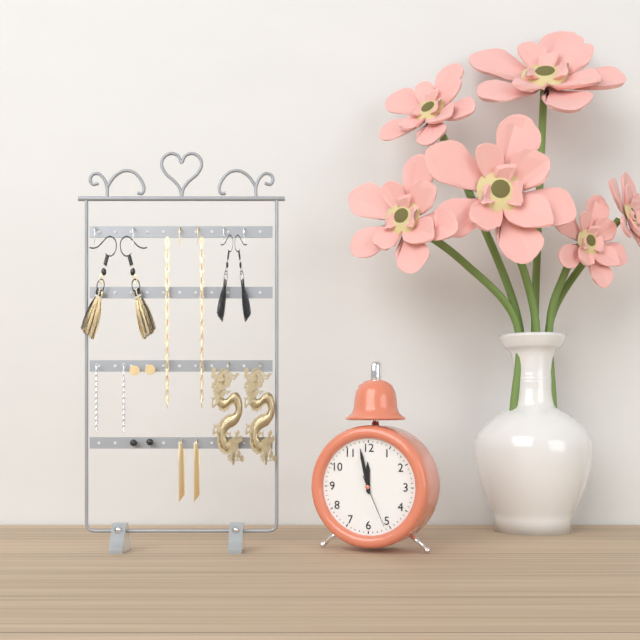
11h58m26s
